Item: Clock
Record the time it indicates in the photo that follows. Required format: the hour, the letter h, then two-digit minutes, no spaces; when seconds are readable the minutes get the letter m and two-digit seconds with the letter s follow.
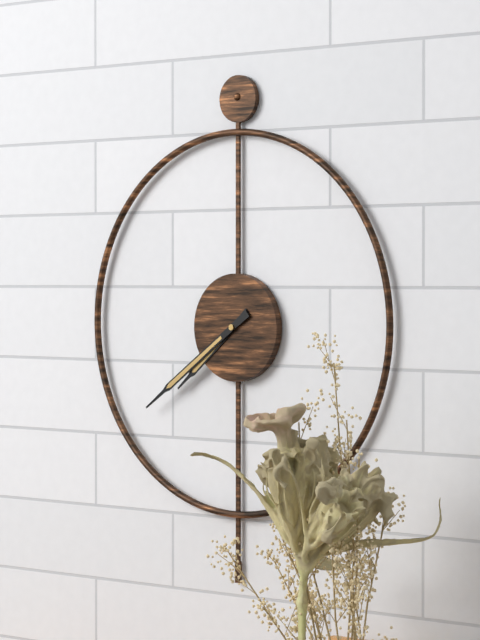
7h39
